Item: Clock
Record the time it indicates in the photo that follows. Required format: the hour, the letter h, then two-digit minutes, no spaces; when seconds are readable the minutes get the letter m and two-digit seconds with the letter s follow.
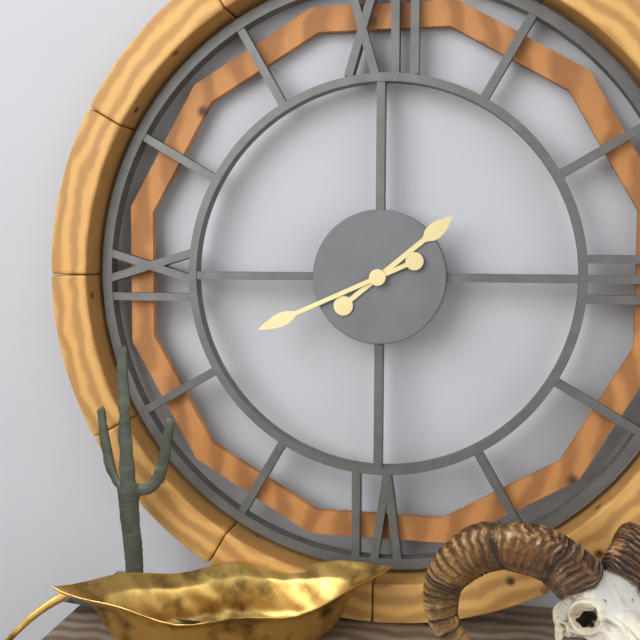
1h41
